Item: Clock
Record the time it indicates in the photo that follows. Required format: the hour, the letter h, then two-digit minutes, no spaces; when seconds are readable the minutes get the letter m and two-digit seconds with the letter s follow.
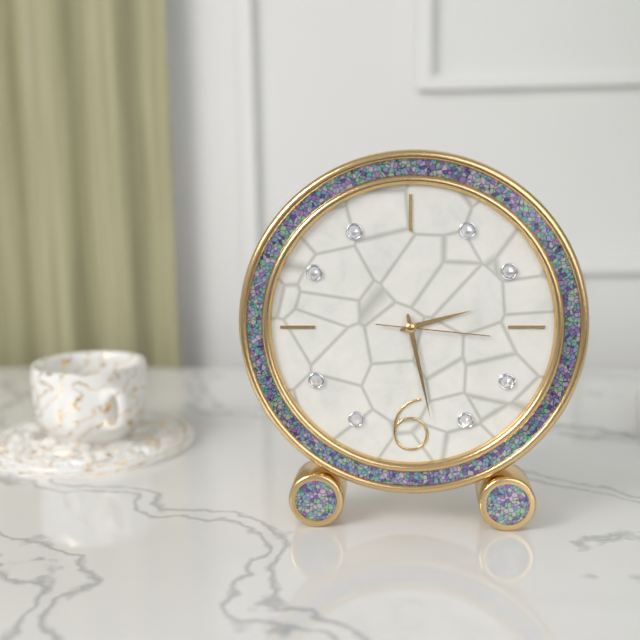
2h28m16s
